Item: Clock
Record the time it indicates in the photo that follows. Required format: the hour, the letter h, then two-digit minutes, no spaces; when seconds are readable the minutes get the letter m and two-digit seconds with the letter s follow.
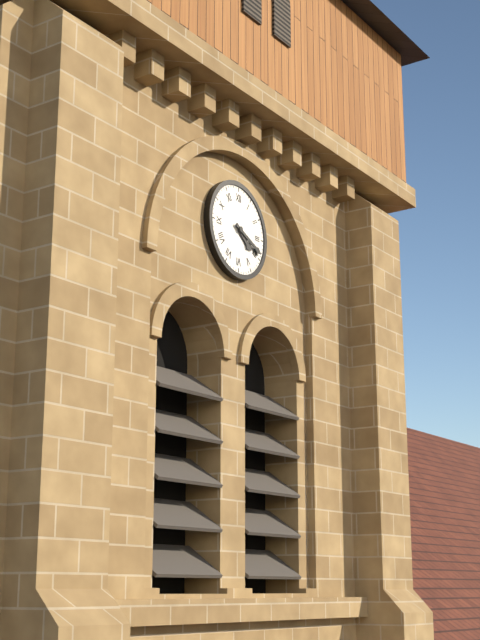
4h19
